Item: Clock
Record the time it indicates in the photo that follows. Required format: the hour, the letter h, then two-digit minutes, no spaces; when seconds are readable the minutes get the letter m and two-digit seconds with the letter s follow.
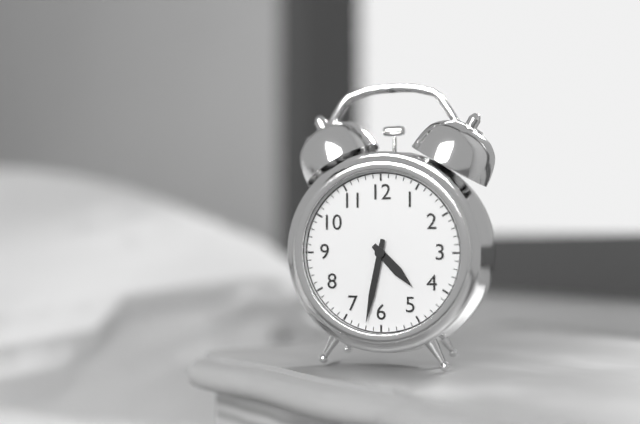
4h32
